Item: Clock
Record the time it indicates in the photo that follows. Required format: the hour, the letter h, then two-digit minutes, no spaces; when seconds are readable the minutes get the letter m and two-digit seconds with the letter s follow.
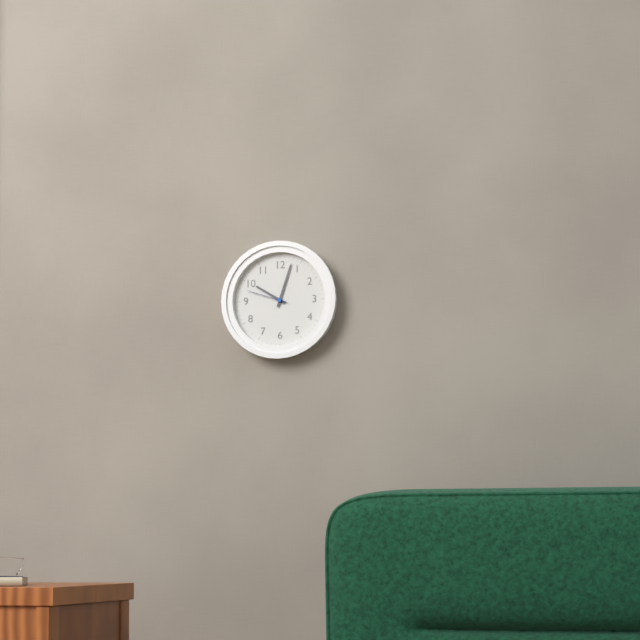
10h03
